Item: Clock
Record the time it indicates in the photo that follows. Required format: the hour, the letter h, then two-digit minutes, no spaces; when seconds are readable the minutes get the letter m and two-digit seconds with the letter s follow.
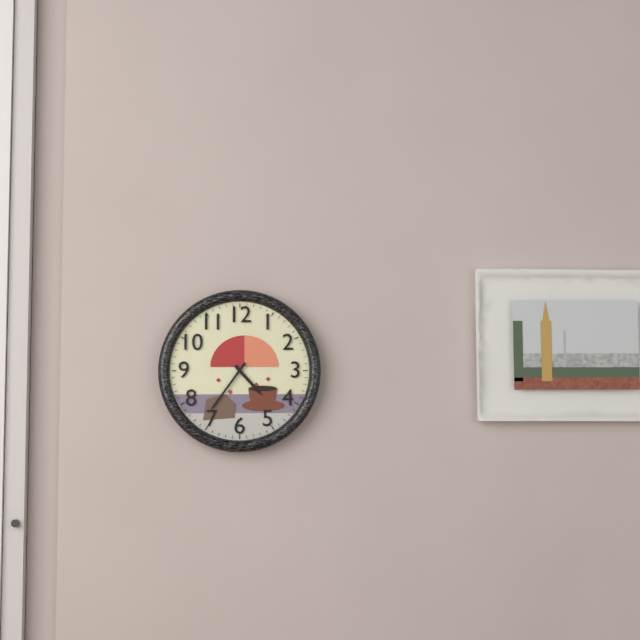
4h36
